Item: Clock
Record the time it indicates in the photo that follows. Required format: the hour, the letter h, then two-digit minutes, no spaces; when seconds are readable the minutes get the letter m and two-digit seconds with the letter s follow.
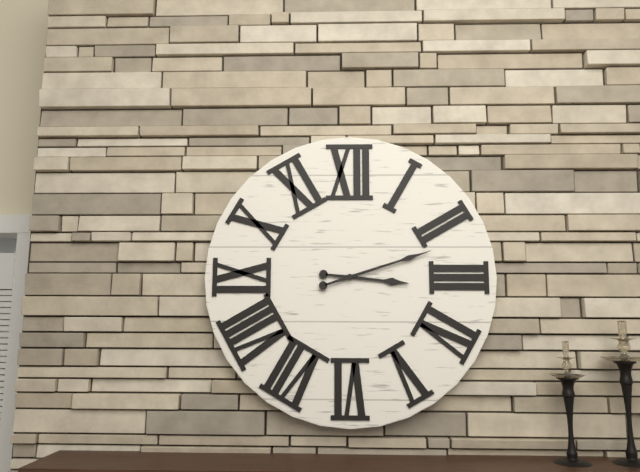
3h12
